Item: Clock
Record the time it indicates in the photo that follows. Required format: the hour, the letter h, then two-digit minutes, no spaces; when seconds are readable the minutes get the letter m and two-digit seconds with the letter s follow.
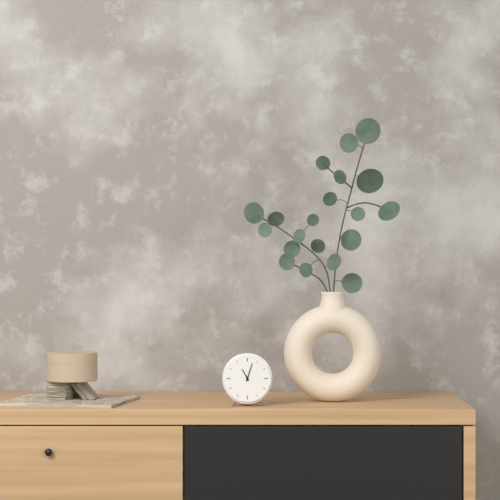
11h03
